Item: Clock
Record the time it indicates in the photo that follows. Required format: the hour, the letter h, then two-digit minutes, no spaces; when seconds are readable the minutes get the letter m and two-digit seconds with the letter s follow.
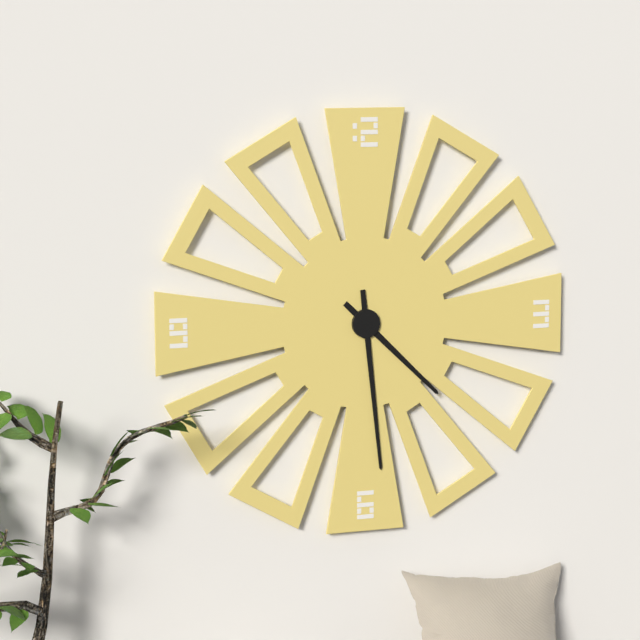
4h29
